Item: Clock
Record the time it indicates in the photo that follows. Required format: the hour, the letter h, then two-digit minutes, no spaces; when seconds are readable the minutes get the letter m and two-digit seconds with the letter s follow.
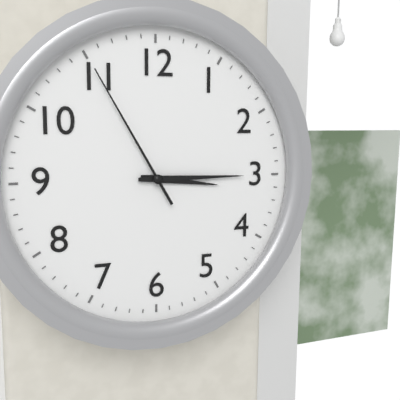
3h15m55s
